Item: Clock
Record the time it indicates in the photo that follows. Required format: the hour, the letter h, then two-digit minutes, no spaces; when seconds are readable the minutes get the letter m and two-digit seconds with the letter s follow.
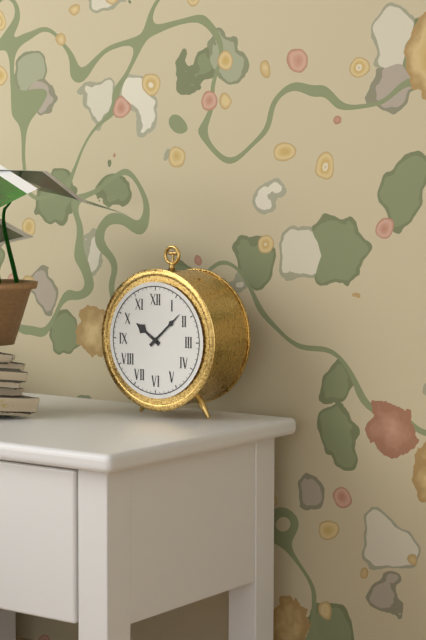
10h08
